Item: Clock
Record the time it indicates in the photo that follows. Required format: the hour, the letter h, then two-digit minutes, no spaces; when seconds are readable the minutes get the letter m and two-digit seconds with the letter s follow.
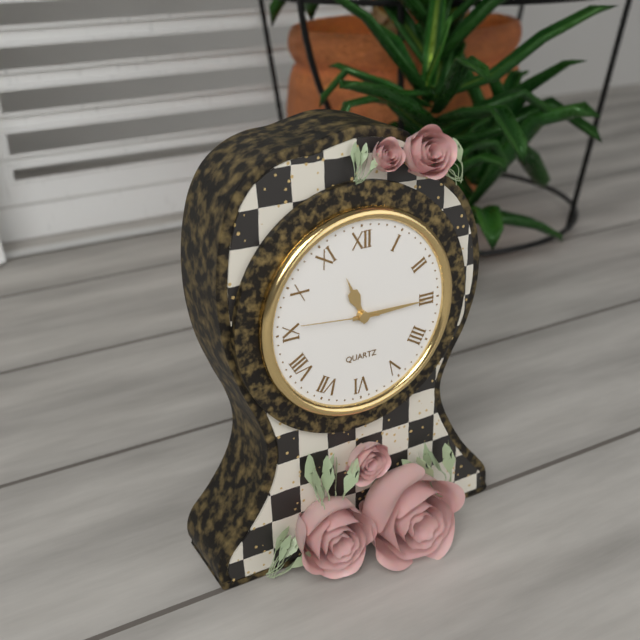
11h15m46s
